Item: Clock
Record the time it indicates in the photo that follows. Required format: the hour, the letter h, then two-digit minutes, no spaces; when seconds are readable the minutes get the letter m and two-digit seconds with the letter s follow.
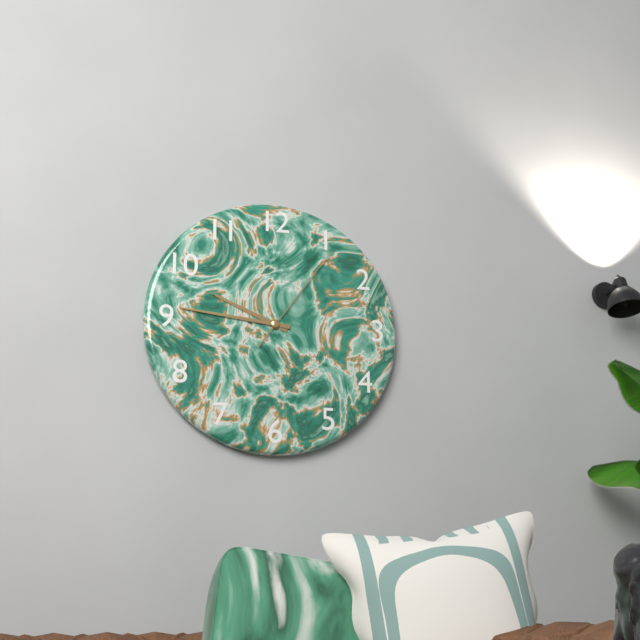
9h46m06s
